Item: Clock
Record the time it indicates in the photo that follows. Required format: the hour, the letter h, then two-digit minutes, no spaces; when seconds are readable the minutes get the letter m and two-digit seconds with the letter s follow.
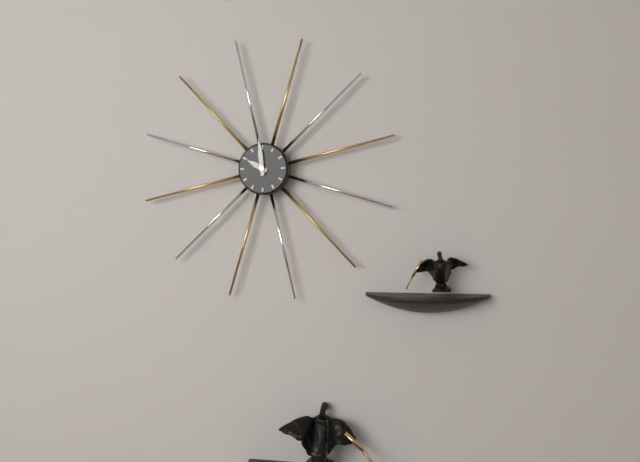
9h59
